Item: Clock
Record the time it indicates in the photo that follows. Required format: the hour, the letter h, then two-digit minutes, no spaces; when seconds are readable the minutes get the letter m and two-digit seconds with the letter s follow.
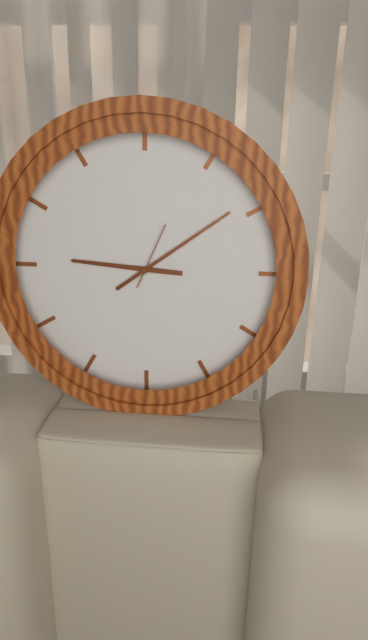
9h09m04s
